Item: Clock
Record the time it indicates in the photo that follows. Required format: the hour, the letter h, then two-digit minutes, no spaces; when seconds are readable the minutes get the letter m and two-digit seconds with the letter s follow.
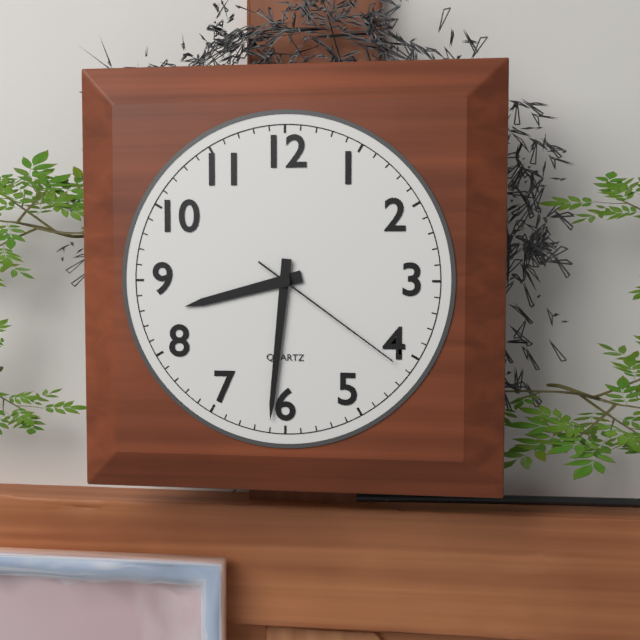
8h31m21s
